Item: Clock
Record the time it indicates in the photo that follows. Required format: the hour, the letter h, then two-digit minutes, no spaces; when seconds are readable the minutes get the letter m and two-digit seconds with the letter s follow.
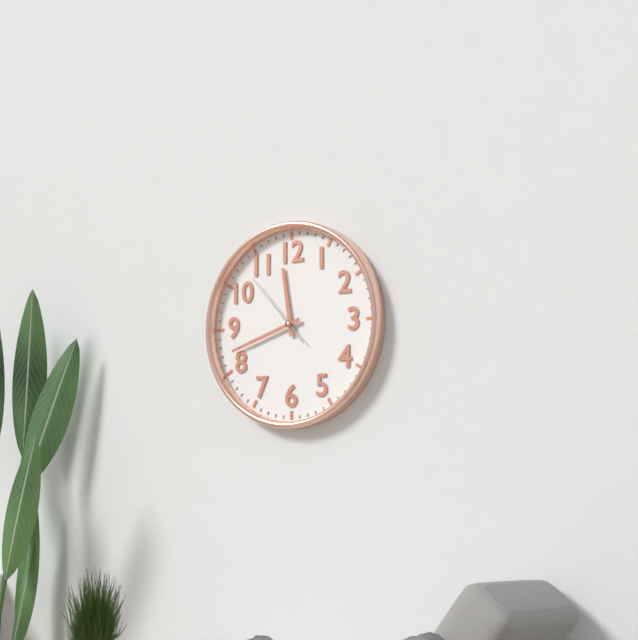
11h42m53s
